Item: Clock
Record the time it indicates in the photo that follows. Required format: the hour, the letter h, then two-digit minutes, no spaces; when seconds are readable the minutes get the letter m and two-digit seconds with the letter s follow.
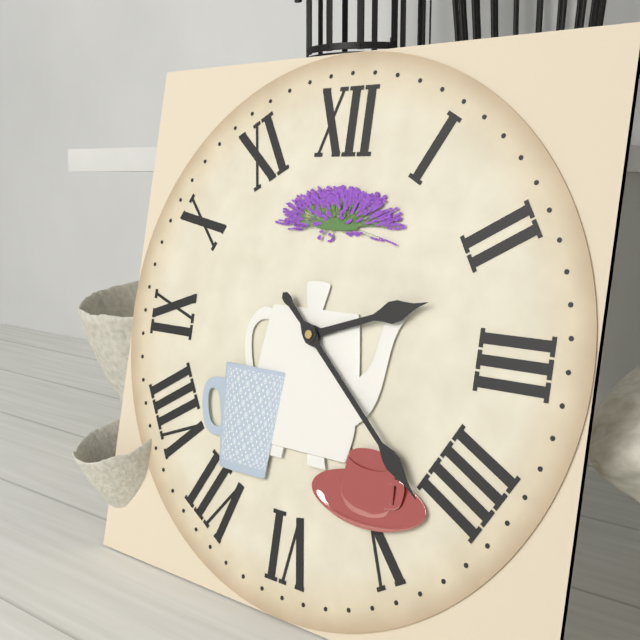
2h22
